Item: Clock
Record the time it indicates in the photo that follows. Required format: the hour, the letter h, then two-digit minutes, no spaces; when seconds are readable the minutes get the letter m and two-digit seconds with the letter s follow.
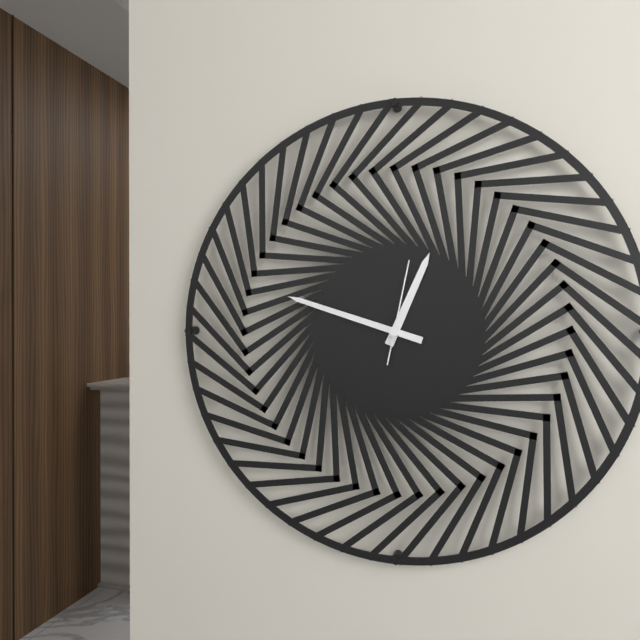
12h48m02s
